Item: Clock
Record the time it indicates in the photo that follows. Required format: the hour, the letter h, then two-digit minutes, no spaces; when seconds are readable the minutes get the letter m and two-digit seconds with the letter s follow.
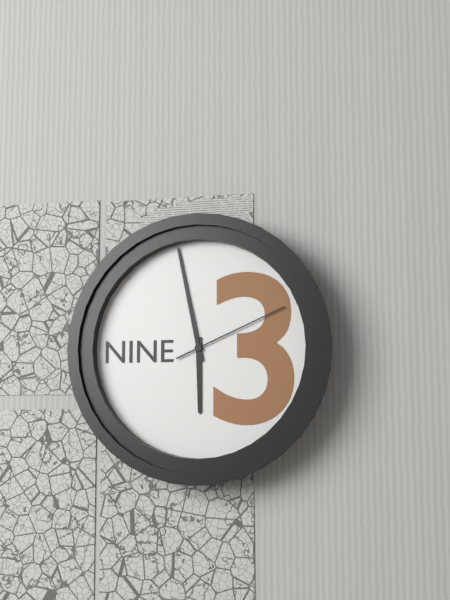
5h58m11s
